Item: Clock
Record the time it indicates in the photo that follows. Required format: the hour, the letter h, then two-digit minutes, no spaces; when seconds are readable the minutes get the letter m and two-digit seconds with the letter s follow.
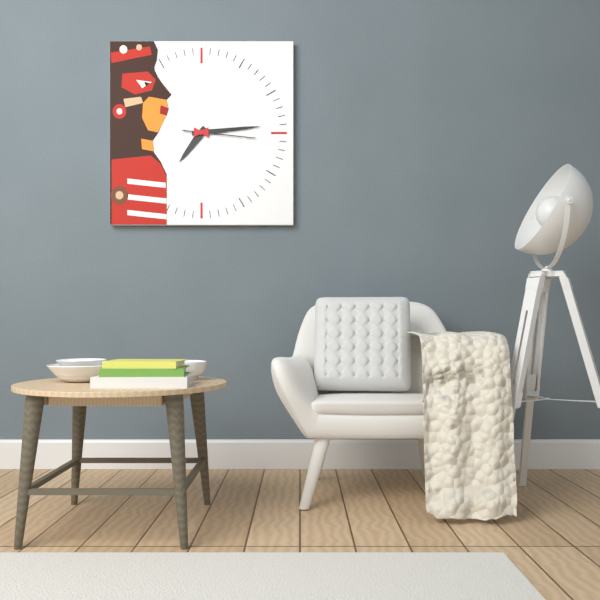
7h14m16s
